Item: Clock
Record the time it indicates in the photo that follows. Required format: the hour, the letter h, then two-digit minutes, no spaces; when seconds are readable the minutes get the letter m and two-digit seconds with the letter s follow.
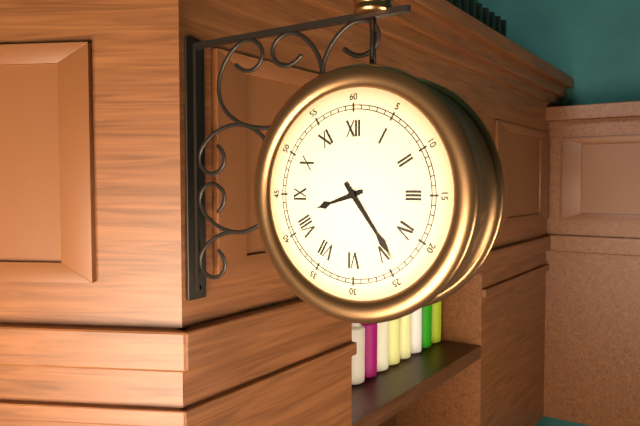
8h24
